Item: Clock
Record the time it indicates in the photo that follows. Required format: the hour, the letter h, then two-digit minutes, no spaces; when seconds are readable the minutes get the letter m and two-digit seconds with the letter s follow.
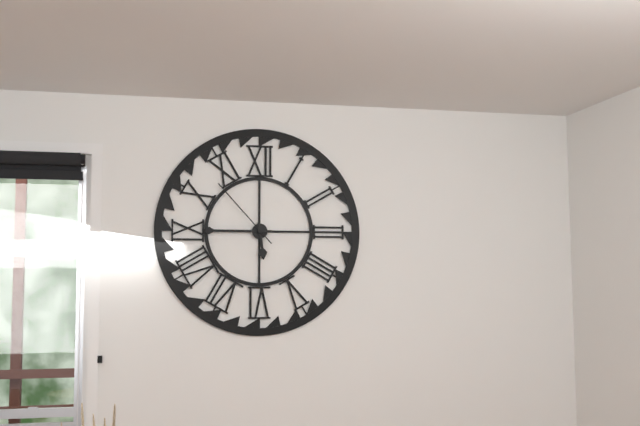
5h45m53s
